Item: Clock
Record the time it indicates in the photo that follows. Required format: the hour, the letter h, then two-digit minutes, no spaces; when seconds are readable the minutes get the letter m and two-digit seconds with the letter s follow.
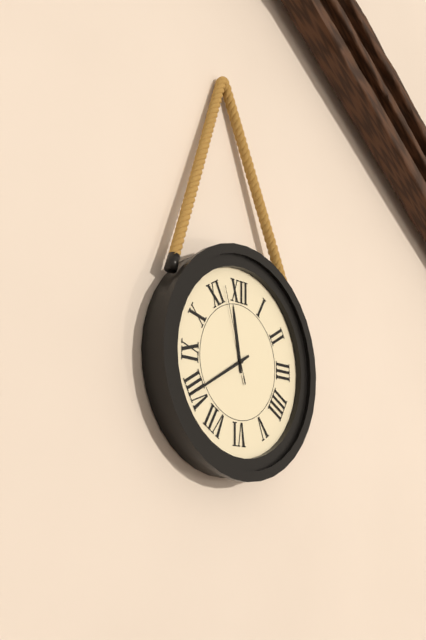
11h40m57s
